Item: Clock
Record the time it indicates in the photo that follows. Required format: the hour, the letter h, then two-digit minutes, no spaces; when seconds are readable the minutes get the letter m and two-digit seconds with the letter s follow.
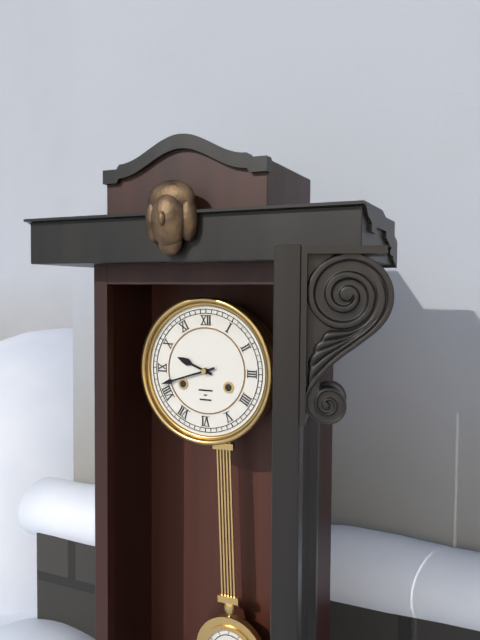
9h42
